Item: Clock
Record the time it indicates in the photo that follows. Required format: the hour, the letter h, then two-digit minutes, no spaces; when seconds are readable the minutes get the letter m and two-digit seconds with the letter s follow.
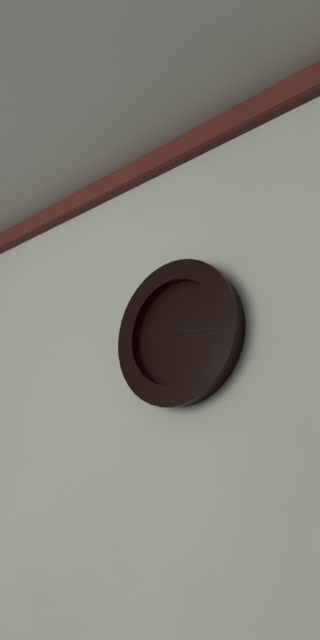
2h16
